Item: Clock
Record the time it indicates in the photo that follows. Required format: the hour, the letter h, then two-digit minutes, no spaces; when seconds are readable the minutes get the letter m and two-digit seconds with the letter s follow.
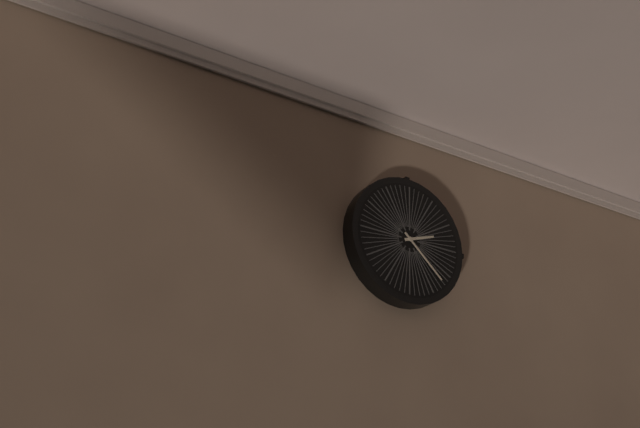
2h22
